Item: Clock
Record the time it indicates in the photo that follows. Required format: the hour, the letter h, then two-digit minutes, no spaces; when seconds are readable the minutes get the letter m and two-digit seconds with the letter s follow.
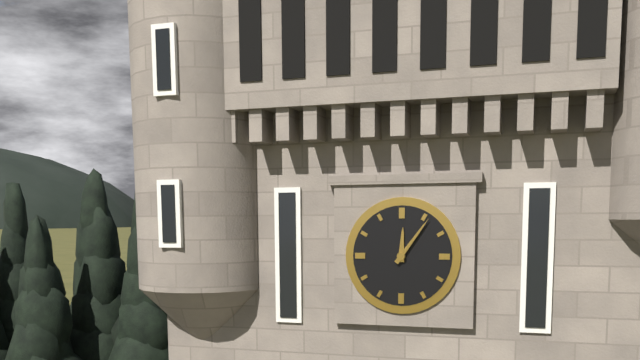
12h06
